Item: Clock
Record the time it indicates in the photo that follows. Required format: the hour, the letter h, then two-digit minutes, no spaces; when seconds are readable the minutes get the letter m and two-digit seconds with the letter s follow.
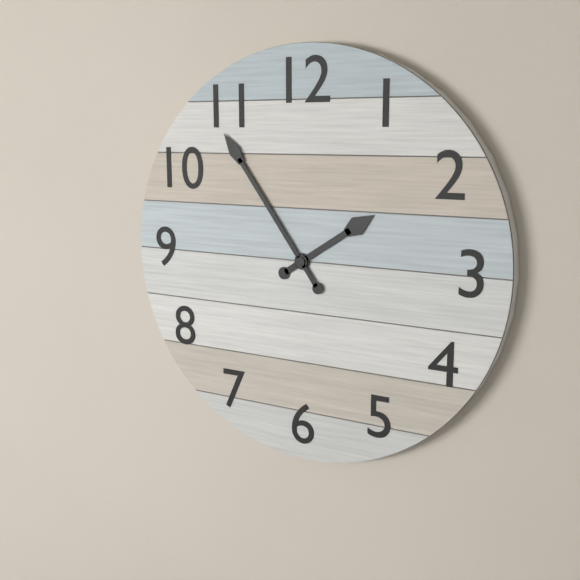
1h54
